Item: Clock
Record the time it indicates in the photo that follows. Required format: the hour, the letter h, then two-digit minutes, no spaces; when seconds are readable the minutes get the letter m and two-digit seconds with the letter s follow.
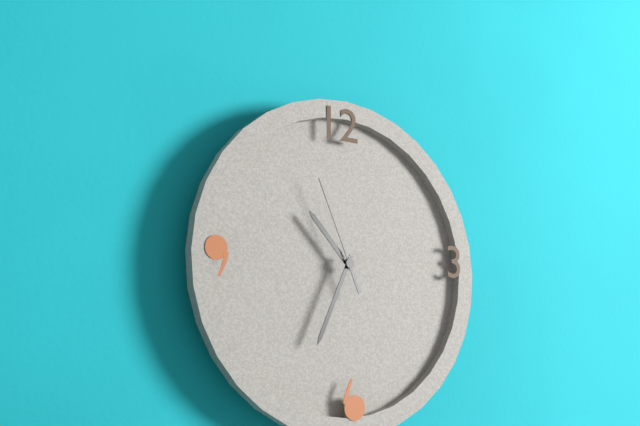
10h34m56s
